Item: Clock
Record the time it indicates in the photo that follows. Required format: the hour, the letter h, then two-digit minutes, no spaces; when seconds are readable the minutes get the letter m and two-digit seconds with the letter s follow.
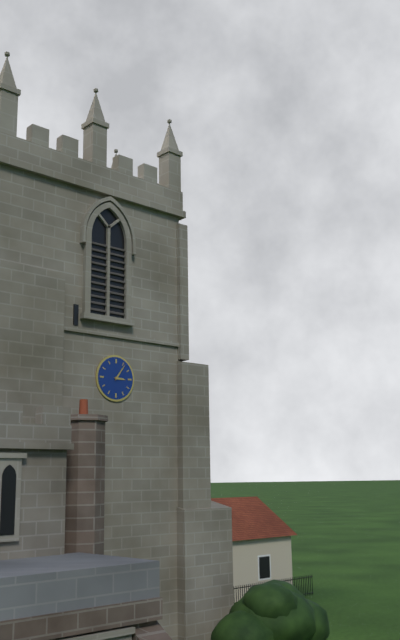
3h06
